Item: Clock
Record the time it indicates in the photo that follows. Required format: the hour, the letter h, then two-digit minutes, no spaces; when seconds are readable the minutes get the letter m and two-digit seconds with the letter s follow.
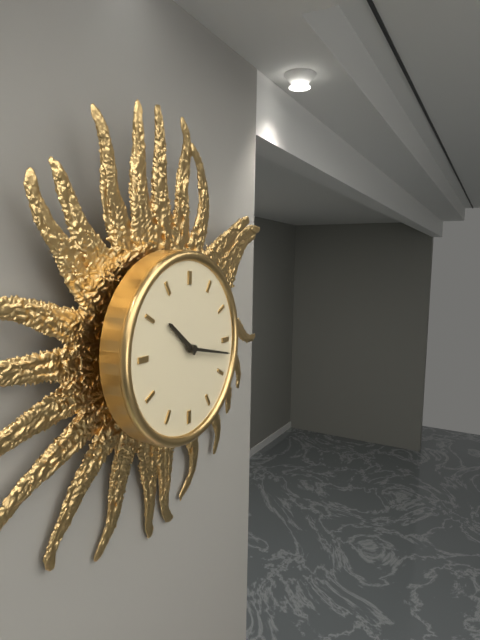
10h17
